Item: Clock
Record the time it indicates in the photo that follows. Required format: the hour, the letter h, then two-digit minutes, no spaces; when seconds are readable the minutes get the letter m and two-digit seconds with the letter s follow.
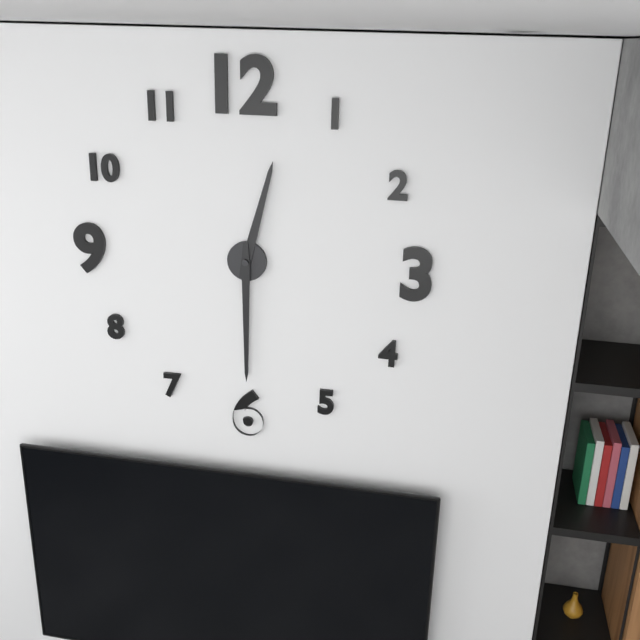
12h30
